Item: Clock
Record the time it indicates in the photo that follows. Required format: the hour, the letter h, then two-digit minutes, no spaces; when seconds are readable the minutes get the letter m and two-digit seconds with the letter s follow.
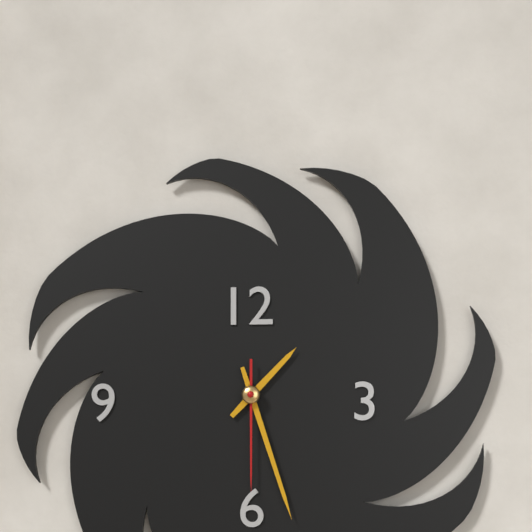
1h27m30s
